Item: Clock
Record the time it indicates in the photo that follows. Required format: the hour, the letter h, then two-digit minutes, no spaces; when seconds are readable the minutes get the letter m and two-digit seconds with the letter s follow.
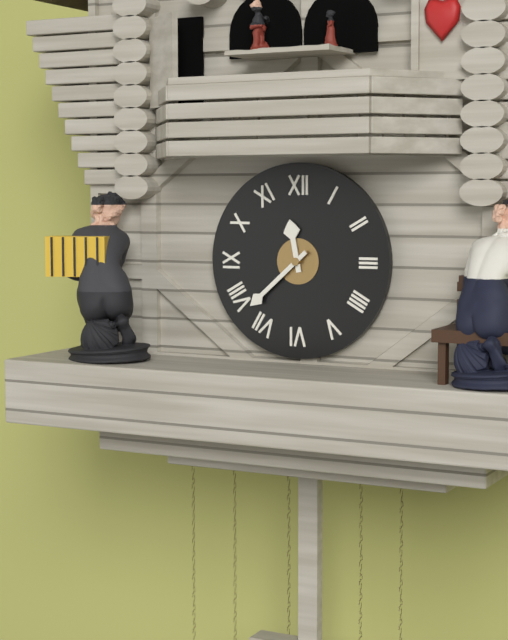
11h38
